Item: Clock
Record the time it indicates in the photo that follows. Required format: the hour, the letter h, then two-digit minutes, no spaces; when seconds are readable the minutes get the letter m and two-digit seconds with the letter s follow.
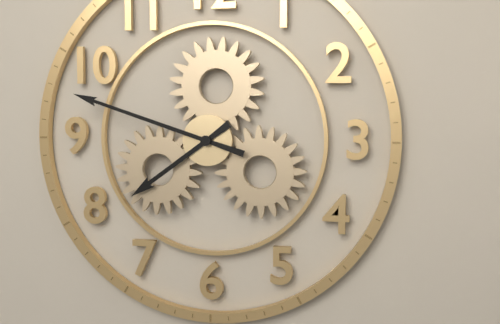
7h48
